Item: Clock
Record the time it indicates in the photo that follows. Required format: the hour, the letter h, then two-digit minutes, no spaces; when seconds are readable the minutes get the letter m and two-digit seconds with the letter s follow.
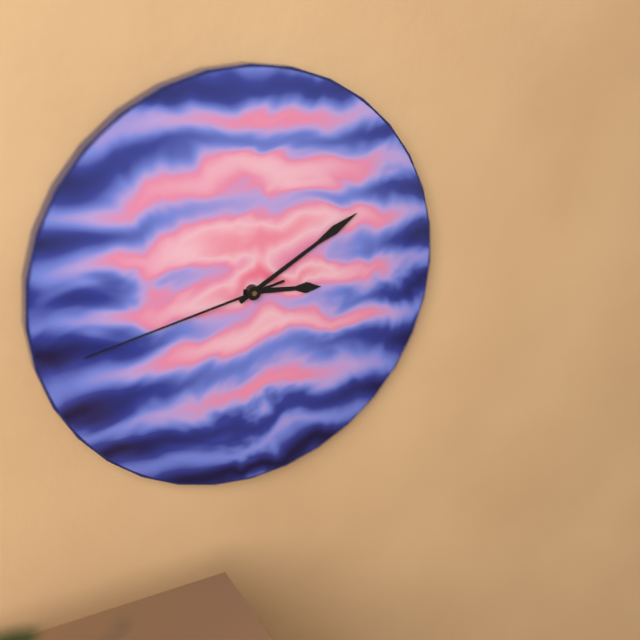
3h10m43s
